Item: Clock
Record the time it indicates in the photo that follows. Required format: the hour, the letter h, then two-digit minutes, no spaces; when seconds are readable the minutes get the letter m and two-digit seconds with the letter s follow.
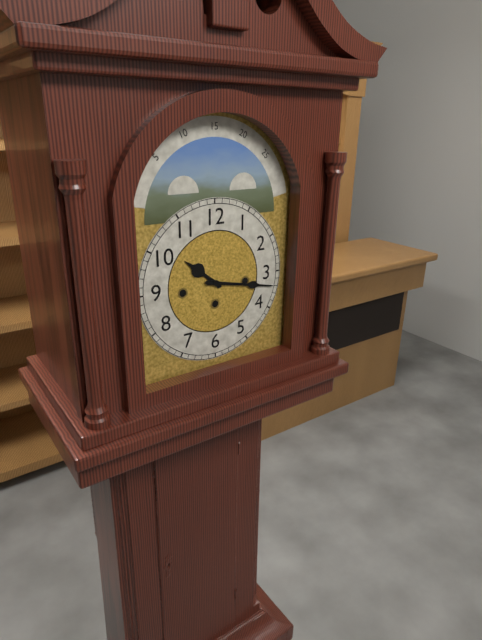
10h17
